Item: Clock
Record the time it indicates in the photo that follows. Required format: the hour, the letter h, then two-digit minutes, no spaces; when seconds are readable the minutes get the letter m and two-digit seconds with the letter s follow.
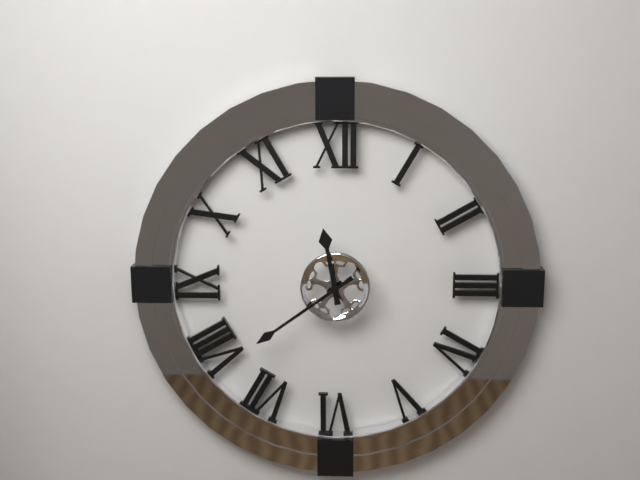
11h39
